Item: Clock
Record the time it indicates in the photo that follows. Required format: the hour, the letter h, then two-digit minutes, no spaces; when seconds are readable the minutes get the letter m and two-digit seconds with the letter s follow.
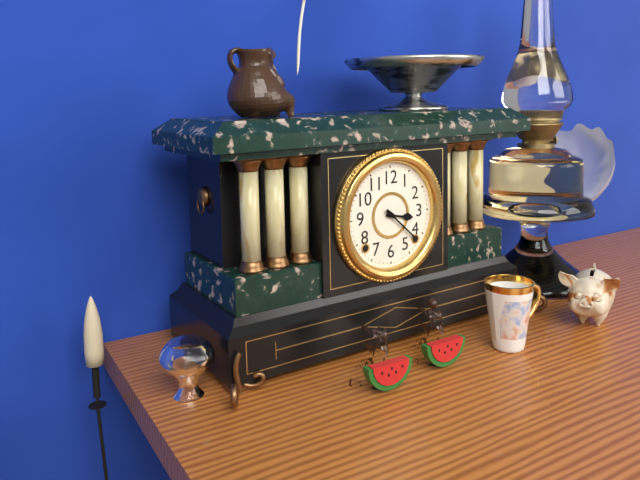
3h22
